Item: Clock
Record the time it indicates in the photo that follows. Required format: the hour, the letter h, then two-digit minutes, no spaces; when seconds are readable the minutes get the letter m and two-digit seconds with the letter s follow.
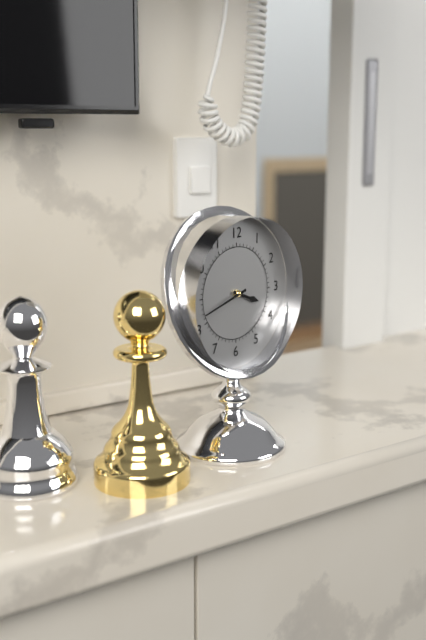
3h42
